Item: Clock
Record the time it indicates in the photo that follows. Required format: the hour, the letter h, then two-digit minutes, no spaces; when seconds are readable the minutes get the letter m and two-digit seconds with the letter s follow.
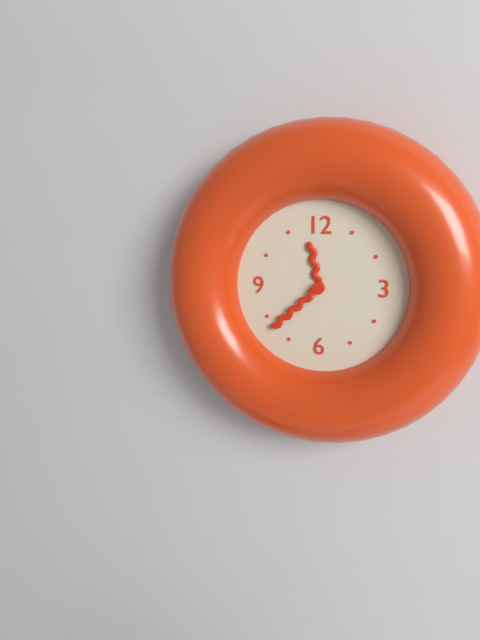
11h38
